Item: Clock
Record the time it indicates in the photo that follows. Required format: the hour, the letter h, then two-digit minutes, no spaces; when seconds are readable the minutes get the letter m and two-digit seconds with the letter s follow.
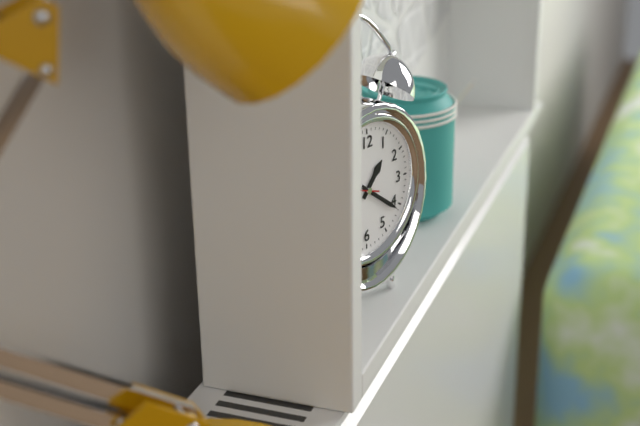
1h21
